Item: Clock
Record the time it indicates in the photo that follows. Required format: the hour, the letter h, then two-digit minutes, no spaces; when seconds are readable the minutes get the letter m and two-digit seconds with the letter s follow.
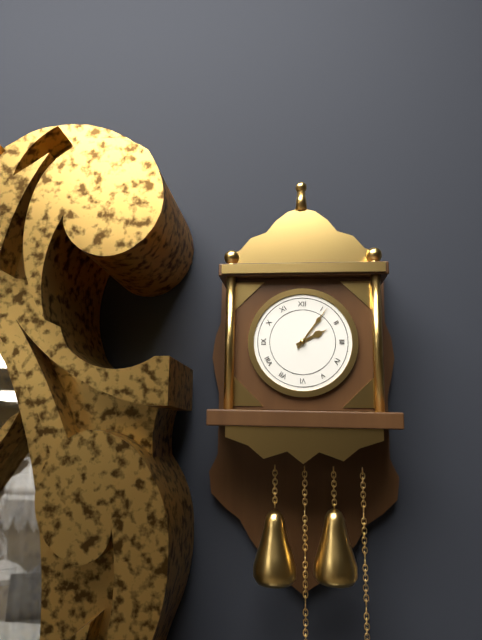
2h06
